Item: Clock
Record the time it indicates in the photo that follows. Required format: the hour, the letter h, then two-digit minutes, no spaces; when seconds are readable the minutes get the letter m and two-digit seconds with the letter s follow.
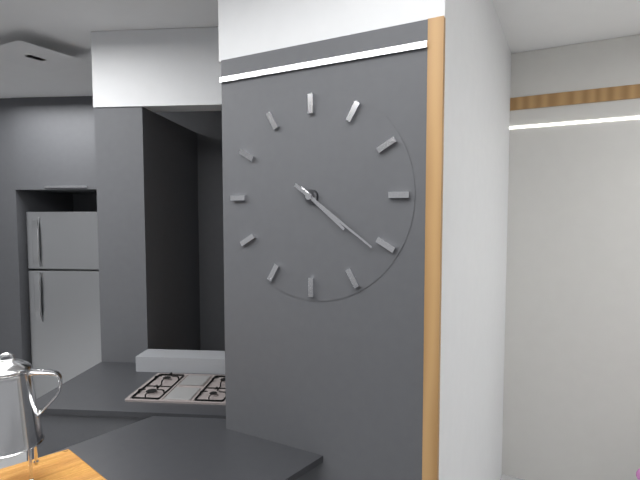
4h21
